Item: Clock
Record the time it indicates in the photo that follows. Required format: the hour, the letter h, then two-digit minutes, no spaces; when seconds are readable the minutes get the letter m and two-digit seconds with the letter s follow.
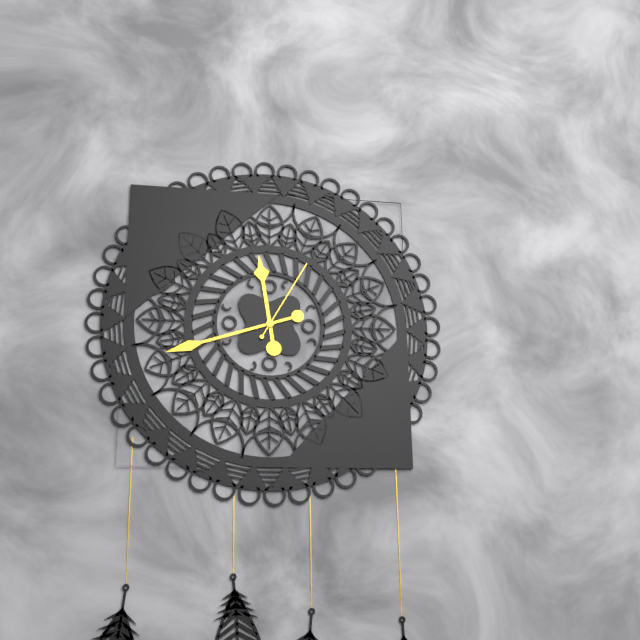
11h42m05s
